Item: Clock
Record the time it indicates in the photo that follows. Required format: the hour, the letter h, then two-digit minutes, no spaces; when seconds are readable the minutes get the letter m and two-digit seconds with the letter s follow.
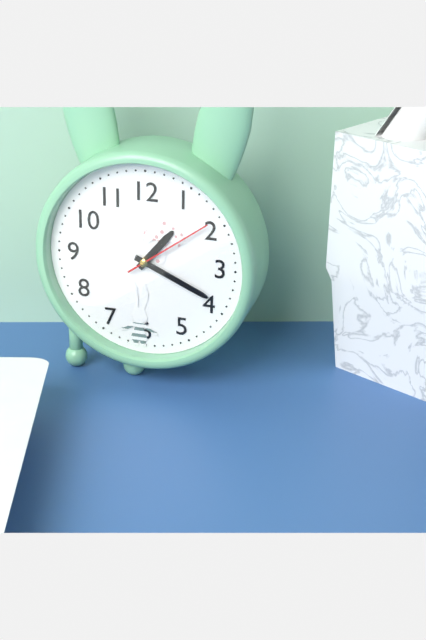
1h19m09s
